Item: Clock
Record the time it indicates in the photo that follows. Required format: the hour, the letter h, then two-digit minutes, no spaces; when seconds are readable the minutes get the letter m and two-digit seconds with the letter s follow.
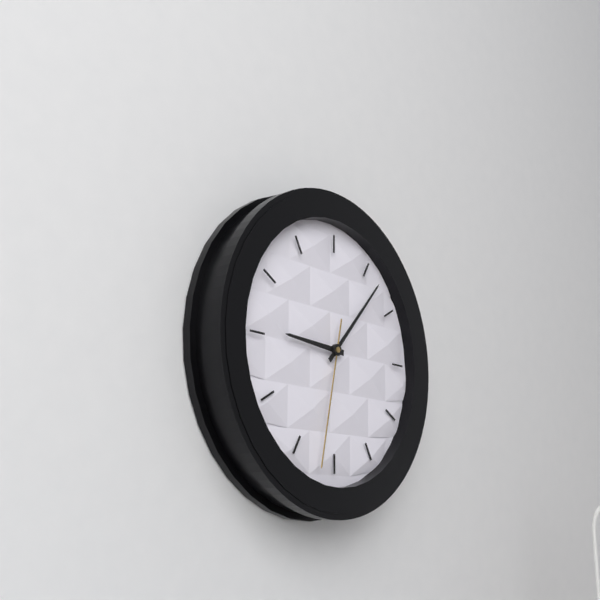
9h07m32s
